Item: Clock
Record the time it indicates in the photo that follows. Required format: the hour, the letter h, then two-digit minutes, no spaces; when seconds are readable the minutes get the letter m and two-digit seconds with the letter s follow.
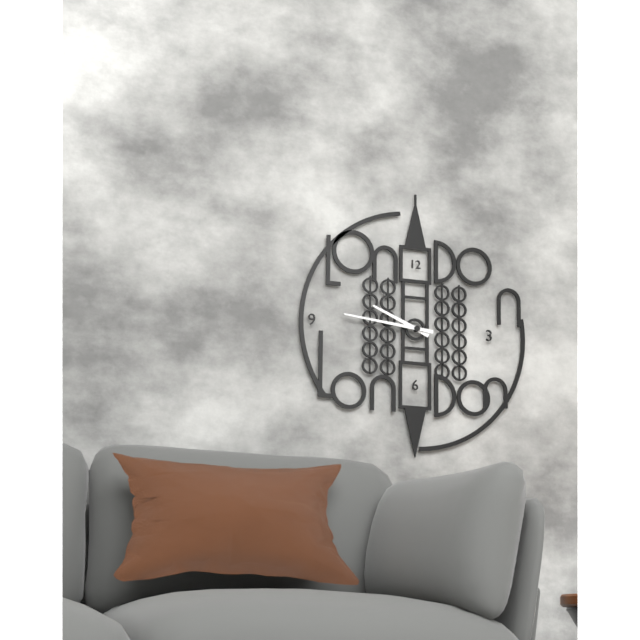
9h46
